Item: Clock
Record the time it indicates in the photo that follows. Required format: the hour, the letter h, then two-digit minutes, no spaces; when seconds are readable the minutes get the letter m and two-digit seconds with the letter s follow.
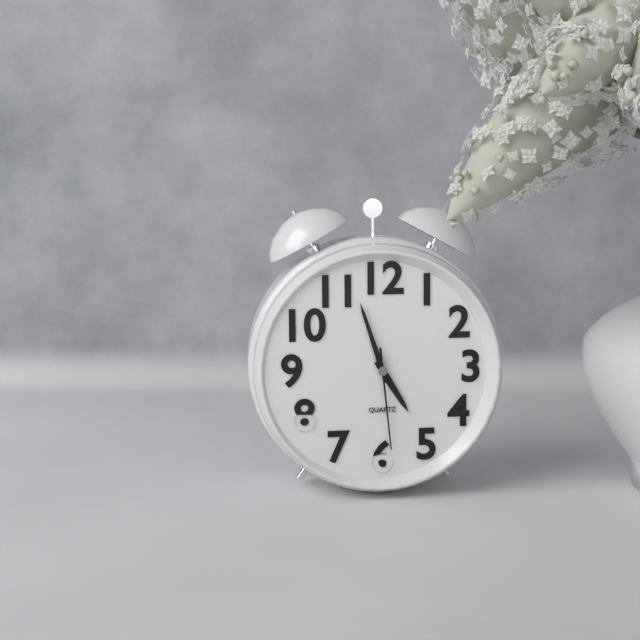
4h57m29s
